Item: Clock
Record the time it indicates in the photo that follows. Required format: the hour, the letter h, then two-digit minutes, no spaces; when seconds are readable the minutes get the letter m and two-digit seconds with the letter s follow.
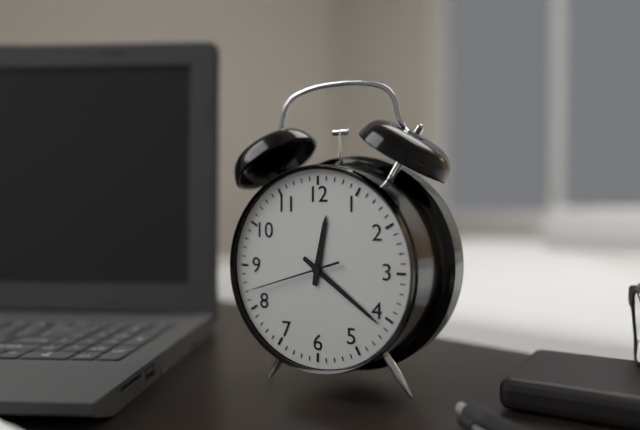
12h21m42s
